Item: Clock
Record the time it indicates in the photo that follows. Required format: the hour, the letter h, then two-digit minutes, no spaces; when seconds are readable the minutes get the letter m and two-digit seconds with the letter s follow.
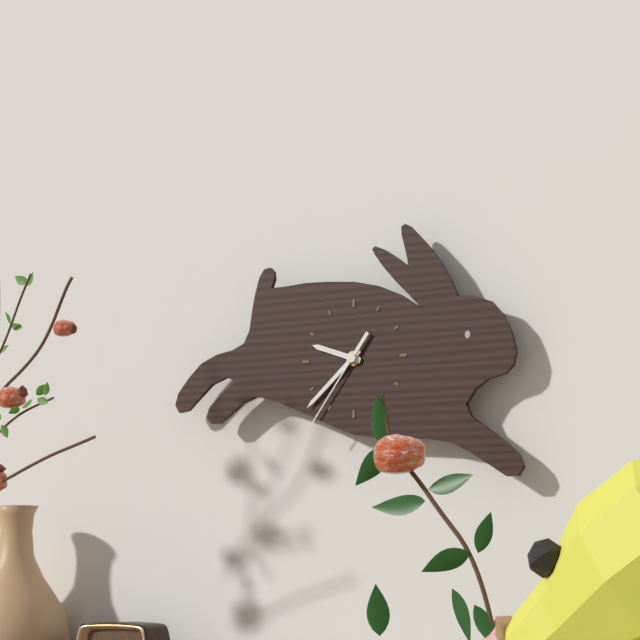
9h38m36s
